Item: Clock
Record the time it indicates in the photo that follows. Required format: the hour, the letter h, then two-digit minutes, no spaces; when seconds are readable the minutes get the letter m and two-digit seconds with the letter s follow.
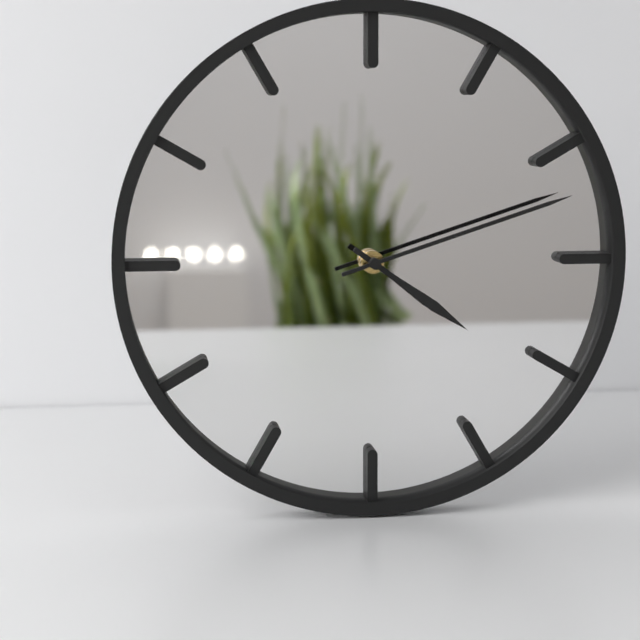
4h12
